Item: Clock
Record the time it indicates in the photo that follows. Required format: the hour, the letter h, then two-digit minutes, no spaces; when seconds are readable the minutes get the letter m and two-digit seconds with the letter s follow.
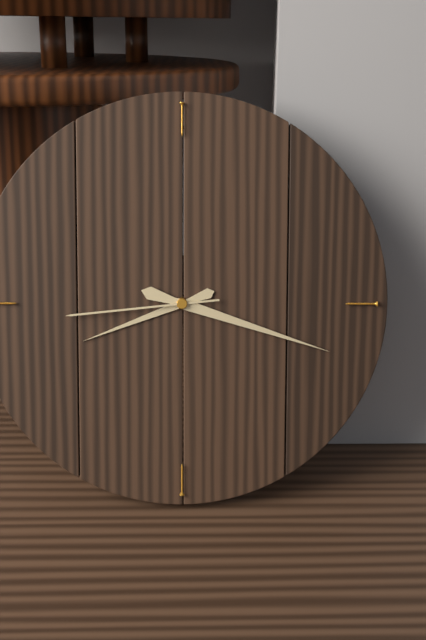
8h18m44s
